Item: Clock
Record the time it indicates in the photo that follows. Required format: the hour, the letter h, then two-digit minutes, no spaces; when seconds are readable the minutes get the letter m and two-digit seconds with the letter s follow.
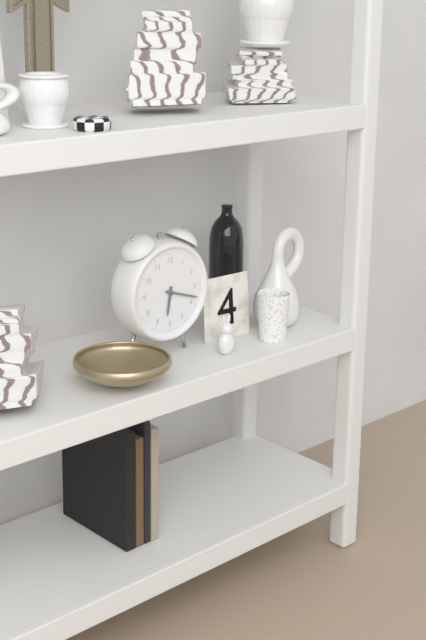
6h18
